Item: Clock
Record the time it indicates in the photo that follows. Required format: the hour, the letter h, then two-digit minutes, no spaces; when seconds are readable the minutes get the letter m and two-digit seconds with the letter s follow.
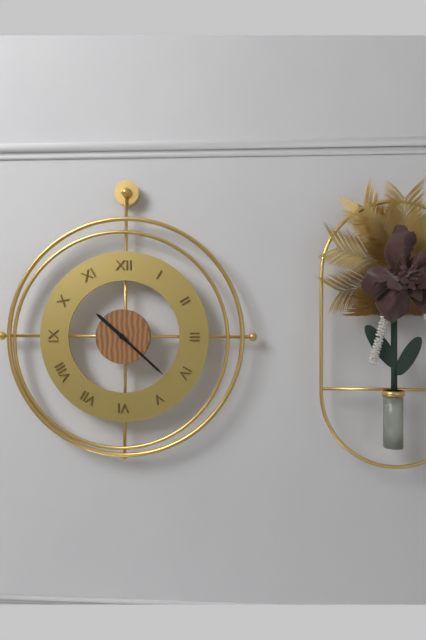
10h22
